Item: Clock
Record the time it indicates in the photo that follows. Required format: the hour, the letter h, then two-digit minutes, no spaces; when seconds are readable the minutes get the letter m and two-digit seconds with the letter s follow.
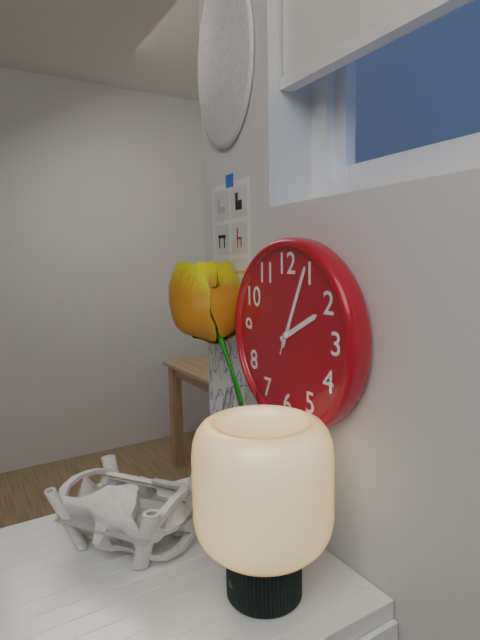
2h04m04s
